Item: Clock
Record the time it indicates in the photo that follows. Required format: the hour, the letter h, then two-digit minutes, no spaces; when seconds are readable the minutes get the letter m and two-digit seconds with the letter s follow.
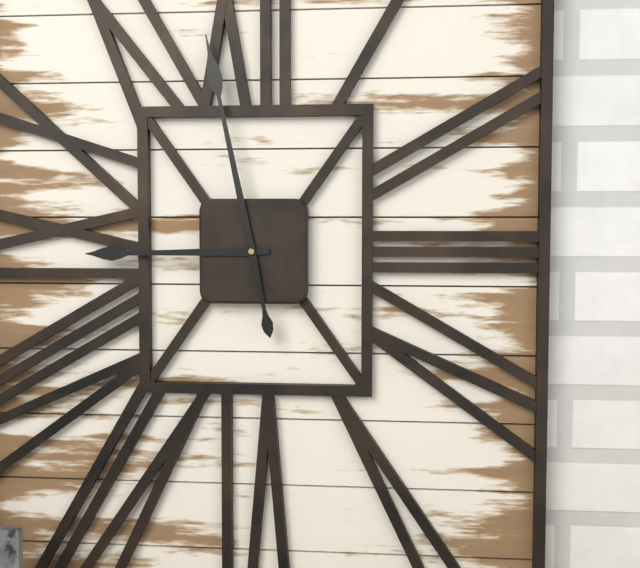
8h58
